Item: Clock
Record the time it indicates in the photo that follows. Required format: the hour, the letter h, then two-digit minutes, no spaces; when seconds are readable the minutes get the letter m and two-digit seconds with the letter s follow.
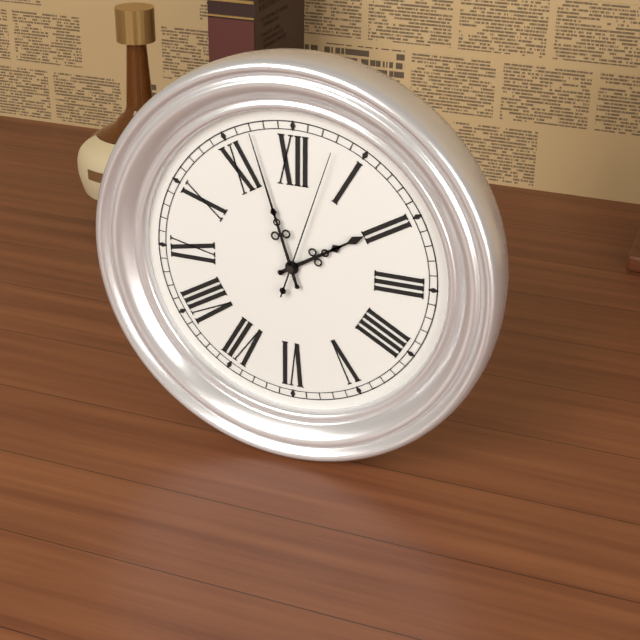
1h57m03s
